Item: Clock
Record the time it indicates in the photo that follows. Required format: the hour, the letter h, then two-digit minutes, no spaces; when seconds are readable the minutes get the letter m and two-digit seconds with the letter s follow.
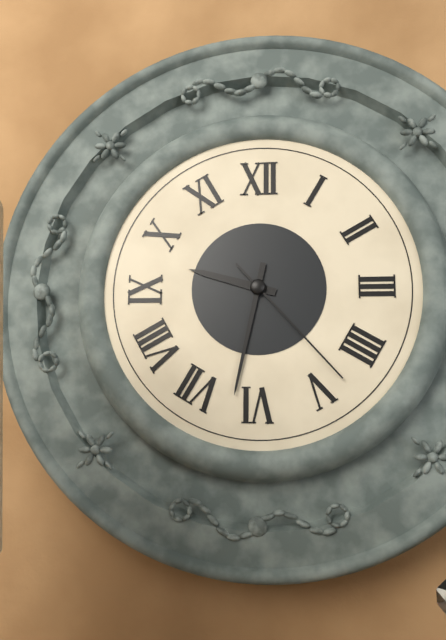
9h32m23s
